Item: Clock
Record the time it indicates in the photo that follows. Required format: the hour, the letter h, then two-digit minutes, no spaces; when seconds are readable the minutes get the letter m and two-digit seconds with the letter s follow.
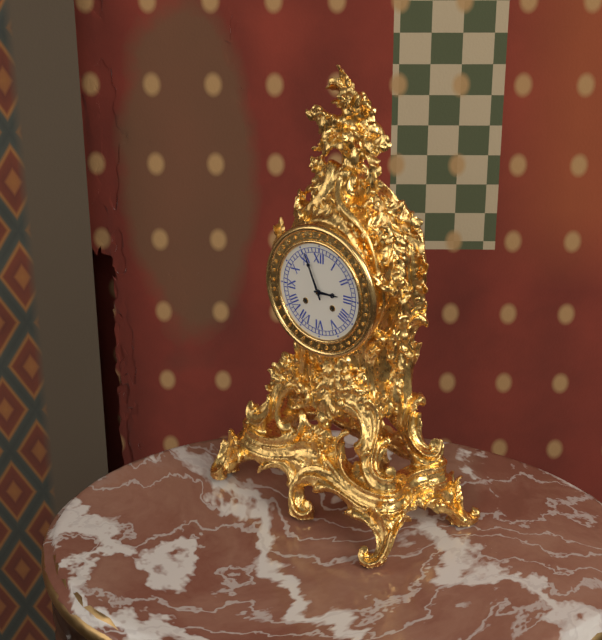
2h56
